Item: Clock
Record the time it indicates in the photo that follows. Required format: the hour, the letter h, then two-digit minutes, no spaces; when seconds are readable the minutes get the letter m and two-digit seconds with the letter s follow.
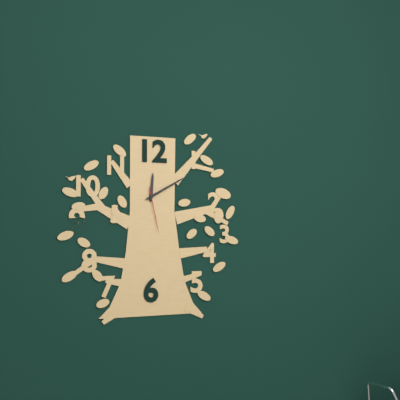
12h10
